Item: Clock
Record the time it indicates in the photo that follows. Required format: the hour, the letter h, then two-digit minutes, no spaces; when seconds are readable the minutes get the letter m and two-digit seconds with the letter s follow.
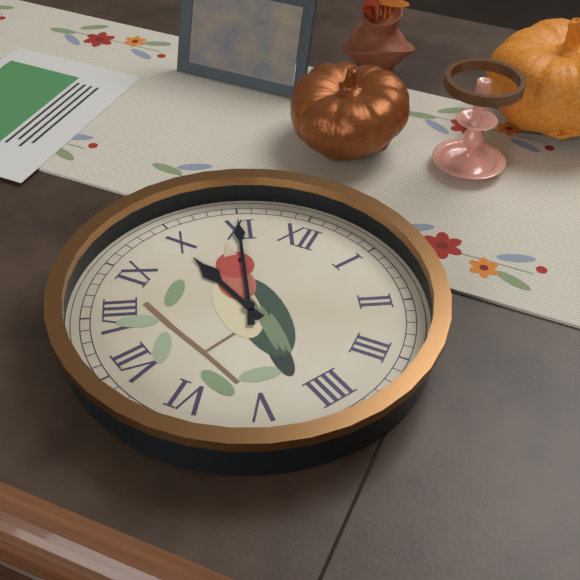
9h55
